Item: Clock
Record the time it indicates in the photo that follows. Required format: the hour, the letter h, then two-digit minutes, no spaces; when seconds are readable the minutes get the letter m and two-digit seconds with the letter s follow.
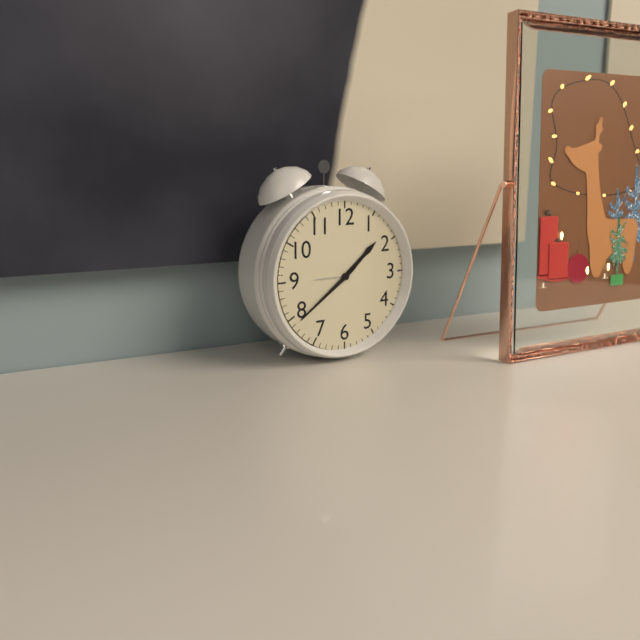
1h39
